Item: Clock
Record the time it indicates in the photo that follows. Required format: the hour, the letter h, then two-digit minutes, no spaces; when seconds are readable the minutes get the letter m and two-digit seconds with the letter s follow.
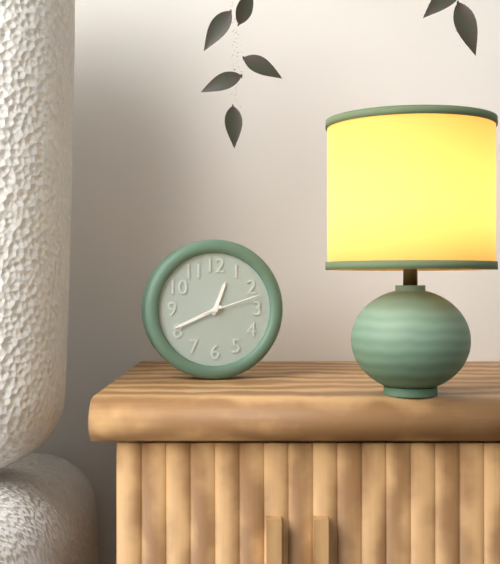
12h41m12s
